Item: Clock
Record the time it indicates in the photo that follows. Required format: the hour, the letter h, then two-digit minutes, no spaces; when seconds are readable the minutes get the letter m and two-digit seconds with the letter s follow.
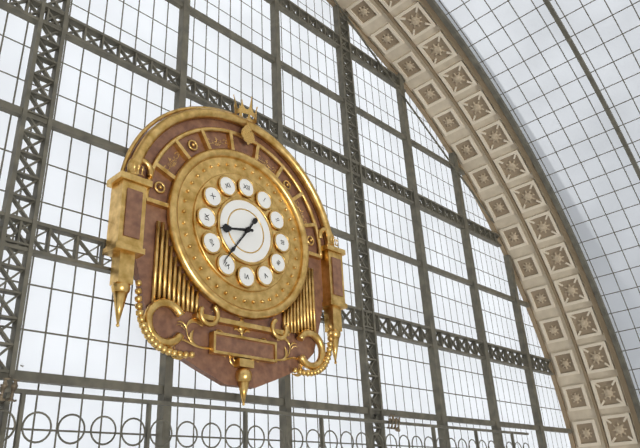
8h36
